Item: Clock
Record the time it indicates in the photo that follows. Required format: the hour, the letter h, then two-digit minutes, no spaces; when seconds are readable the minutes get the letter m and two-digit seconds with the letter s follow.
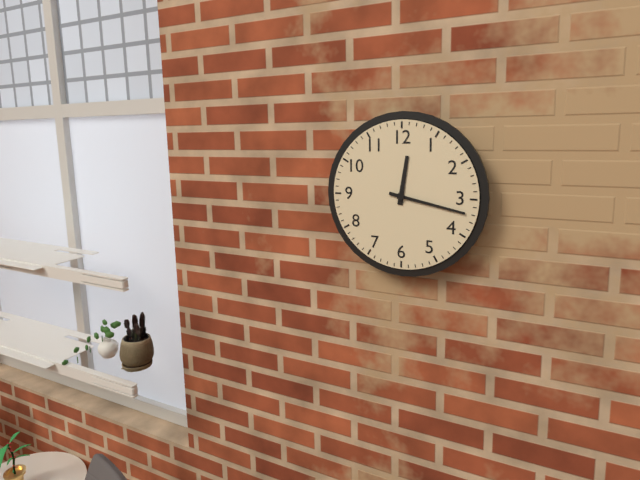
12h17
